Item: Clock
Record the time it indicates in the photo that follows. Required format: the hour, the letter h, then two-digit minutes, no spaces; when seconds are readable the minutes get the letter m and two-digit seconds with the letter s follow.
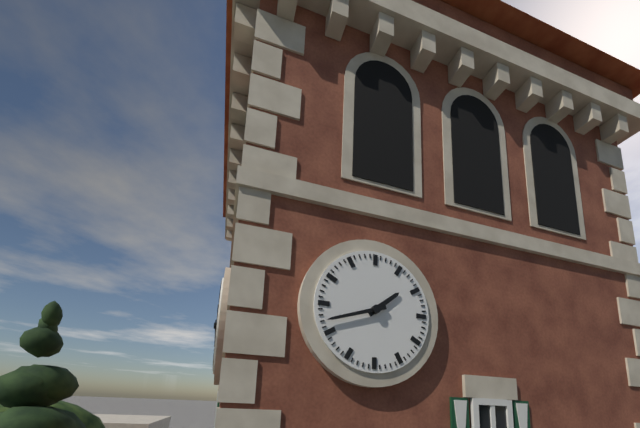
1h42
